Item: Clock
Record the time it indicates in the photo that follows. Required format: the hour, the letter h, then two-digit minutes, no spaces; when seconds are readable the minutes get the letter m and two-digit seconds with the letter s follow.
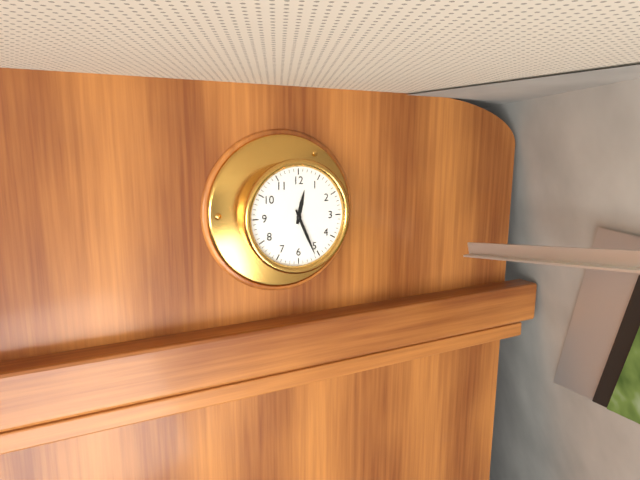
12h26
